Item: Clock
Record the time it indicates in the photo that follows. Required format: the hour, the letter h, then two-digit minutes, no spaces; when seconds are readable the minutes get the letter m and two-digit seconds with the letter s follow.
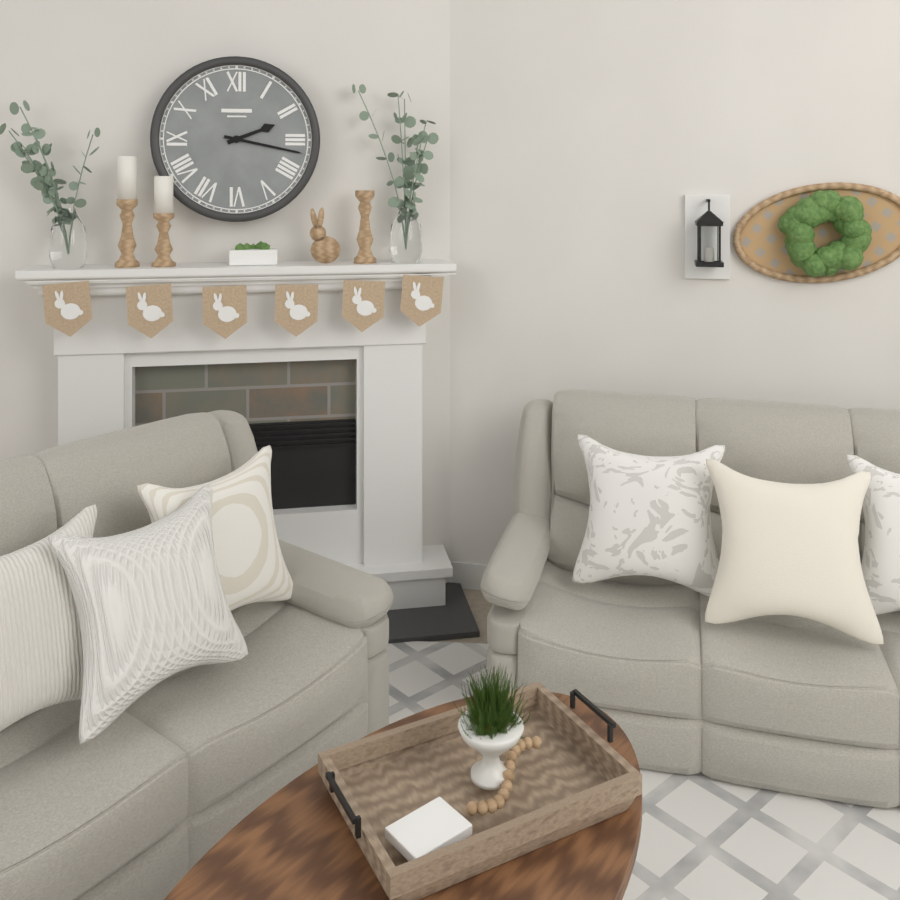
2h17
